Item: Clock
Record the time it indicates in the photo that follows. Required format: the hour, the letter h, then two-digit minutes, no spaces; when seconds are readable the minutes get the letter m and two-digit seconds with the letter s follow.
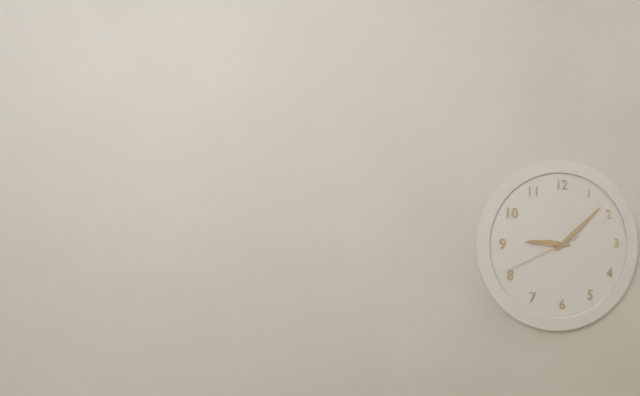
9h08m41s
